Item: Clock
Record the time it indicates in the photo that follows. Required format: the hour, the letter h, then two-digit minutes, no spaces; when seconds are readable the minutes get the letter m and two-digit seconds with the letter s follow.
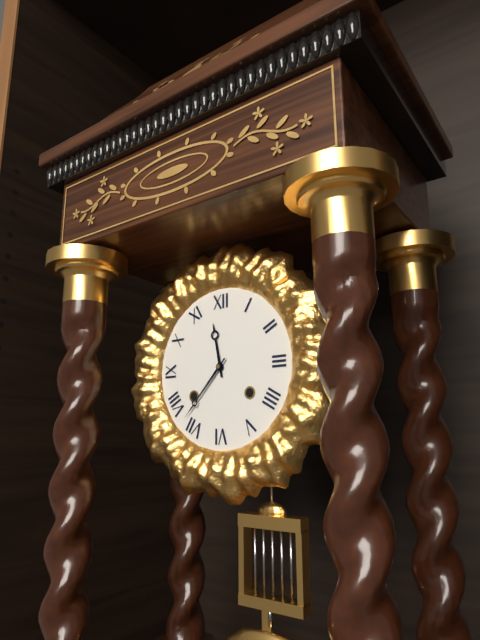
11h37
